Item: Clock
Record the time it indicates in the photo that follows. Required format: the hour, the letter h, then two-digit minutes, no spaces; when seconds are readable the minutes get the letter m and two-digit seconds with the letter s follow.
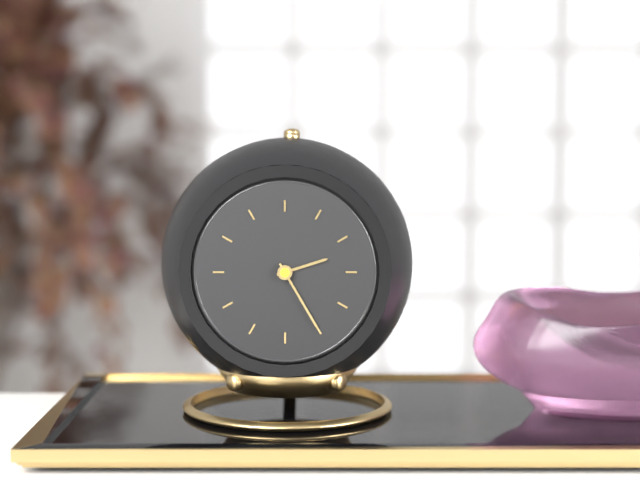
2h25
